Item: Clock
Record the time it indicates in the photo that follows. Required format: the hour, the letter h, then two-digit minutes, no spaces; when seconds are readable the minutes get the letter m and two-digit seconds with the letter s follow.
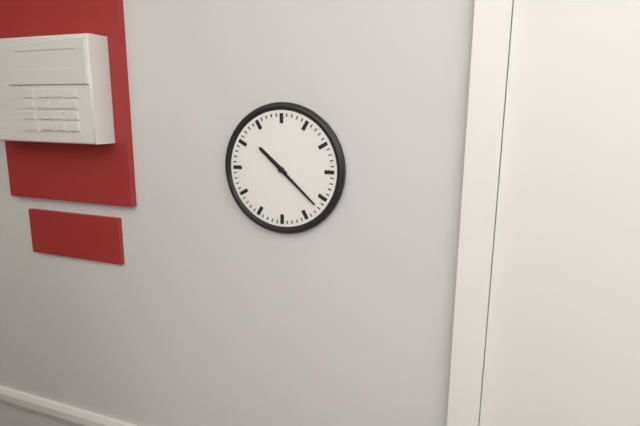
10h22
